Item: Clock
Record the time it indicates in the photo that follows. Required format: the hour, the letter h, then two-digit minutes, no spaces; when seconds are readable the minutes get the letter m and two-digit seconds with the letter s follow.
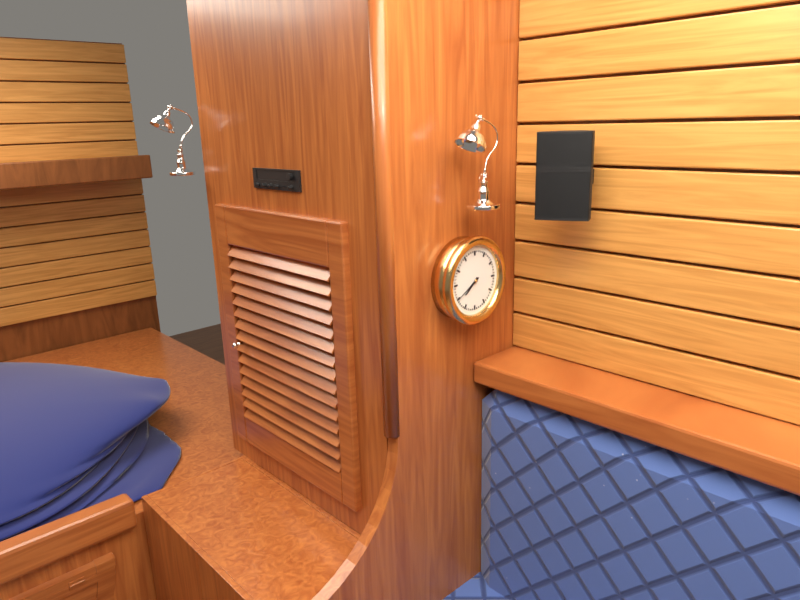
7h40
